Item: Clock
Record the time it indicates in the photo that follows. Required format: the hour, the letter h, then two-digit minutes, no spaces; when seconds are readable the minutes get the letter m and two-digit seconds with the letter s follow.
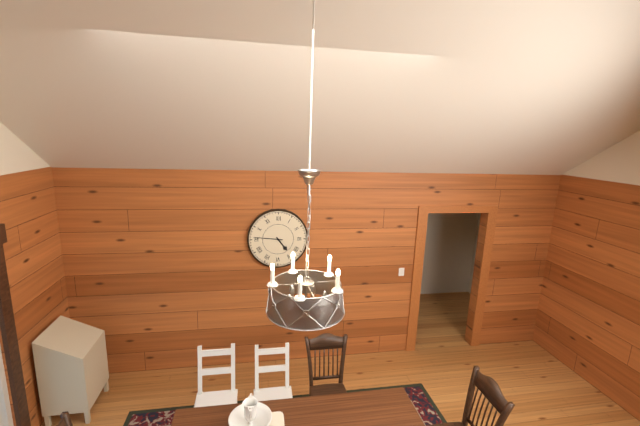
4h46
